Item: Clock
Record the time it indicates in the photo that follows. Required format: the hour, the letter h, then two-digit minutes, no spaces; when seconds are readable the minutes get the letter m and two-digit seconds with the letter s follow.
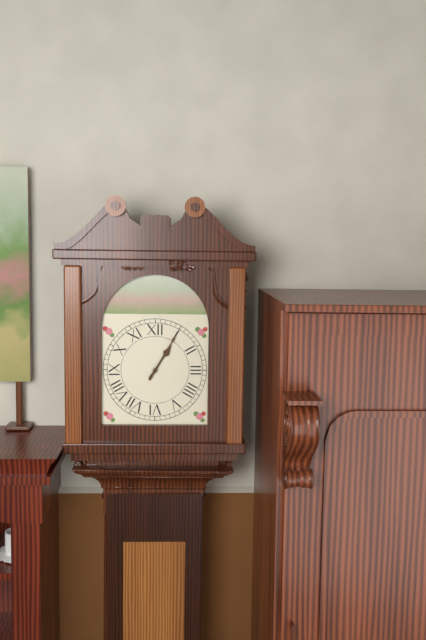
1h05
